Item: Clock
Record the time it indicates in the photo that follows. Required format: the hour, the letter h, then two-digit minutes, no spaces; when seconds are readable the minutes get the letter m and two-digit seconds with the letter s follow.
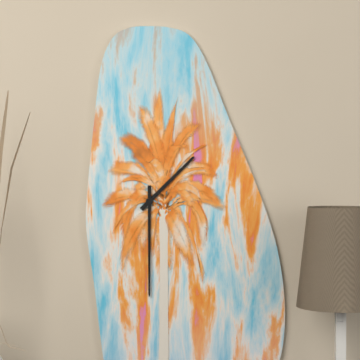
1h30
